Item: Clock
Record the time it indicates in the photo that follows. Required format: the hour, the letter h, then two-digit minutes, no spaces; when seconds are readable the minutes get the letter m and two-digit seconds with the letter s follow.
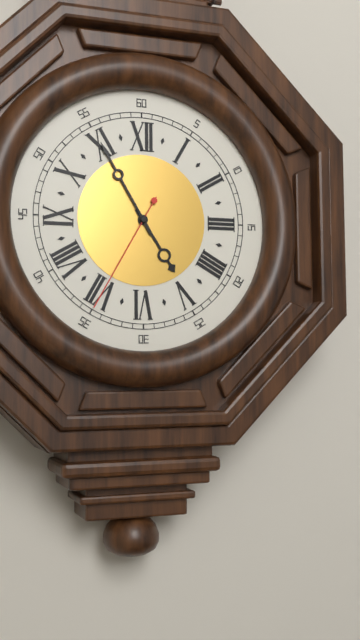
4h55m35s
